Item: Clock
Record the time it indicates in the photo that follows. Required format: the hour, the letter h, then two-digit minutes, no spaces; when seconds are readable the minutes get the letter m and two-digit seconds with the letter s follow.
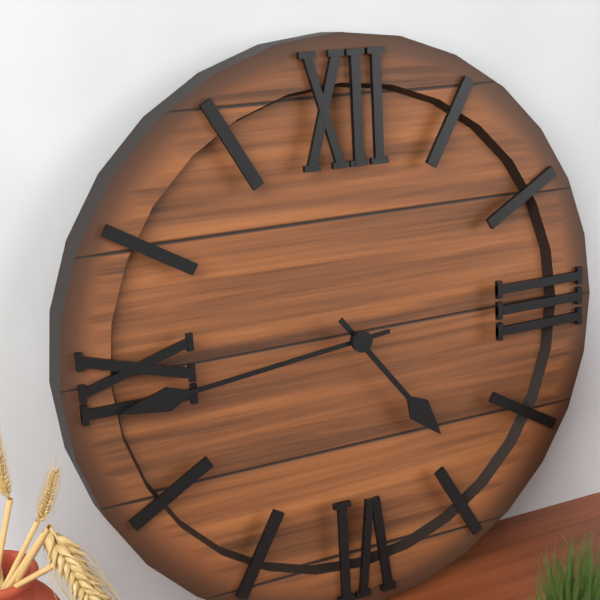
4h44
